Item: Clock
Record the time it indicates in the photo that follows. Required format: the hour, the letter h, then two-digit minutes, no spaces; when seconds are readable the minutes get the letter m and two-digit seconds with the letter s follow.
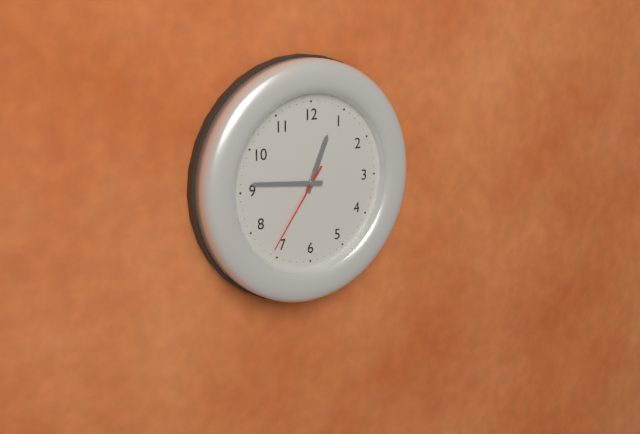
12h46m36s
